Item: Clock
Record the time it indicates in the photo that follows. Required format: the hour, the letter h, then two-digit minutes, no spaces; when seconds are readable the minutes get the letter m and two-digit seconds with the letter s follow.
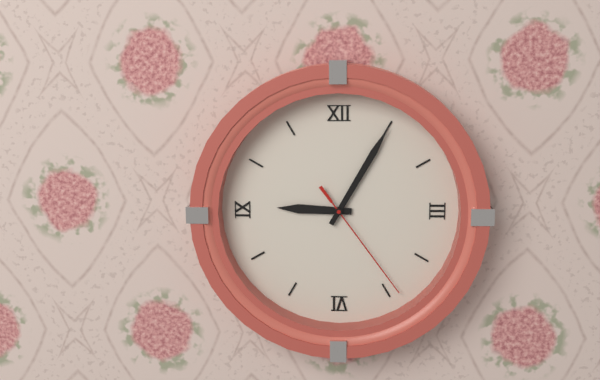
9h05m24s
